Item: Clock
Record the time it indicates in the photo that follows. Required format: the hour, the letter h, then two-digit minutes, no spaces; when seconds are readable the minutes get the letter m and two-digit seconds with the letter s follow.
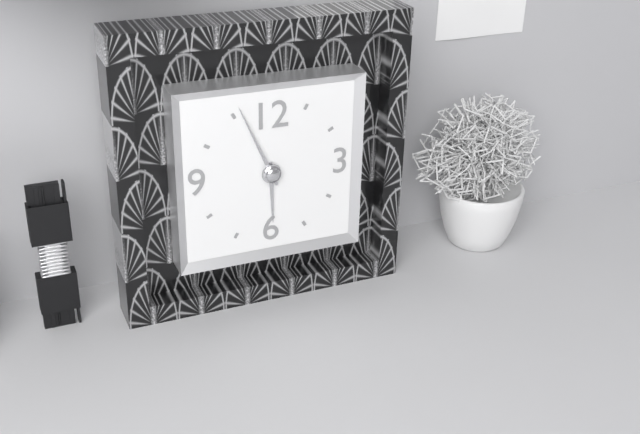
5h56
